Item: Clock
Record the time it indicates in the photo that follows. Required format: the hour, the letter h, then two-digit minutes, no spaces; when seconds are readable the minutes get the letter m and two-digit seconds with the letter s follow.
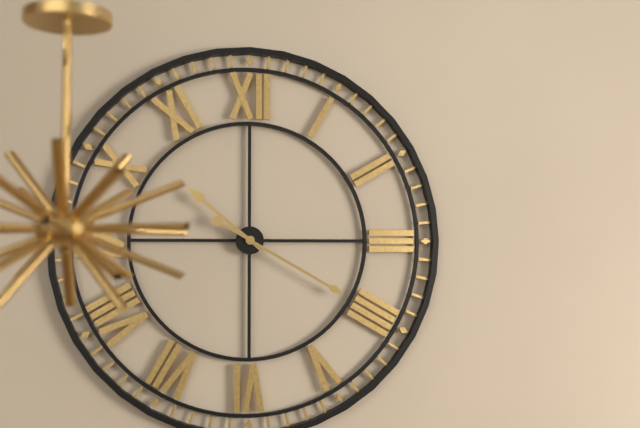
10h20
